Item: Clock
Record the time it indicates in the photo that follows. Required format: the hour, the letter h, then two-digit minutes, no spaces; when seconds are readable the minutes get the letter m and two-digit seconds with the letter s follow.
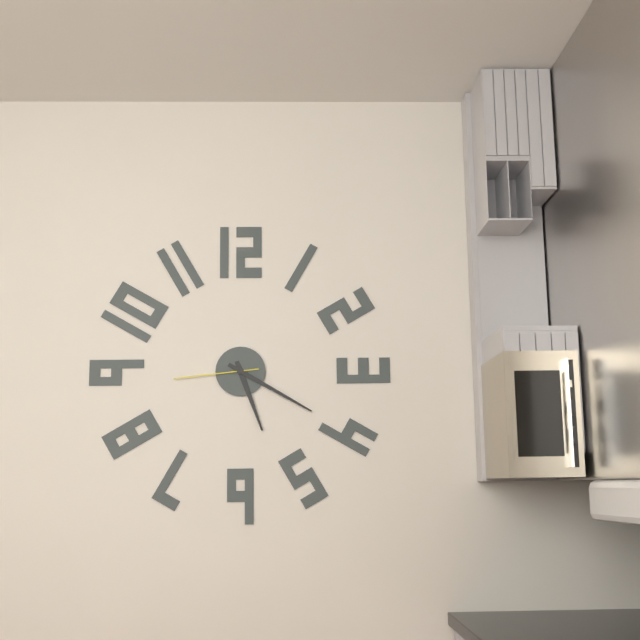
5h20m44s
